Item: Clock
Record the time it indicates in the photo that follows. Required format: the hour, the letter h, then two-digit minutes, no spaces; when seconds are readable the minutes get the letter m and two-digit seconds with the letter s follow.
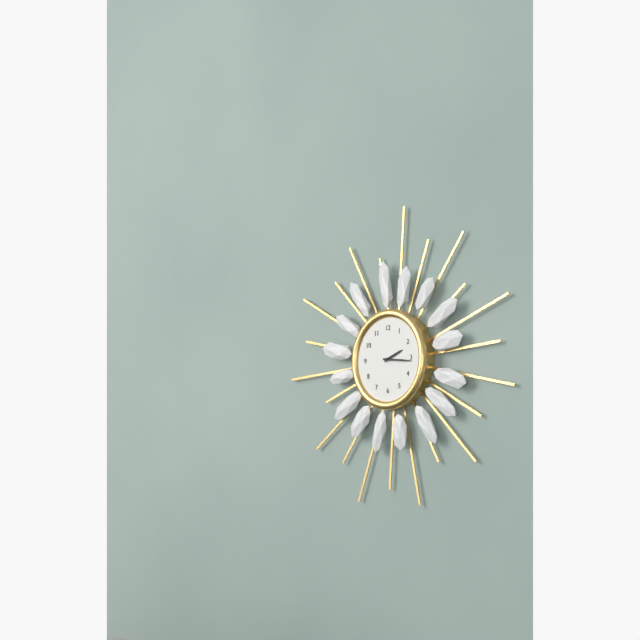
2h16
